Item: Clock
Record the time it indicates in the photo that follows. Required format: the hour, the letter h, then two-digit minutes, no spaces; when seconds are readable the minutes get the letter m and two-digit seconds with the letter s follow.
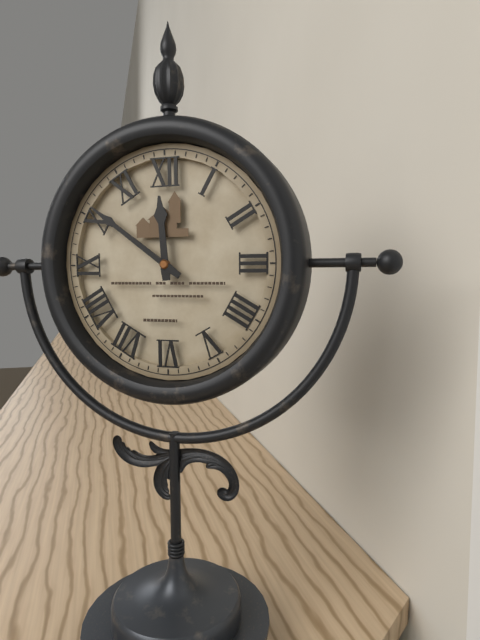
11h51
